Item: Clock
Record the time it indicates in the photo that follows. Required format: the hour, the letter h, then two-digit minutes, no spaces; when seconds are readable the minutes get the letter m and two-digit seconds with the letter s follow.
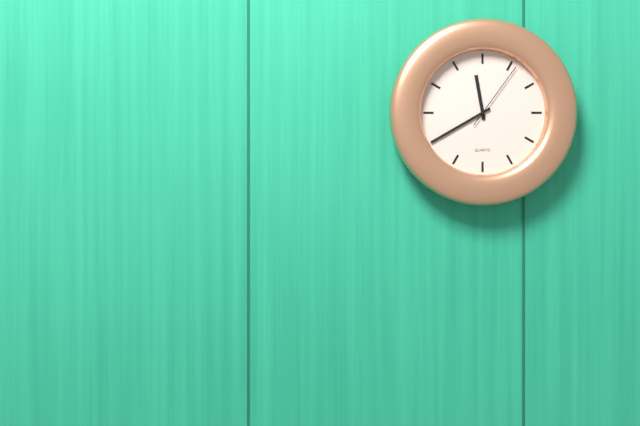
11h40m06s
